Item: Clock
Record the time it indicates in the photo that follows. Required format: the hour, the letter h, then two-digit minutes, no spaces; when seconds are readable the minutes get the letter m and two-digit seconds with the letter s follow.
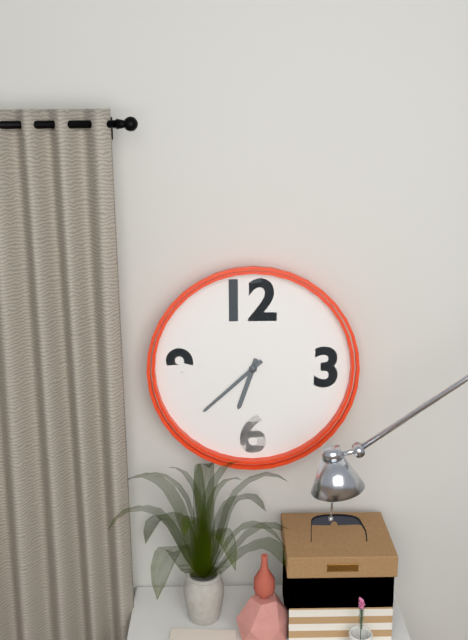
6h38
